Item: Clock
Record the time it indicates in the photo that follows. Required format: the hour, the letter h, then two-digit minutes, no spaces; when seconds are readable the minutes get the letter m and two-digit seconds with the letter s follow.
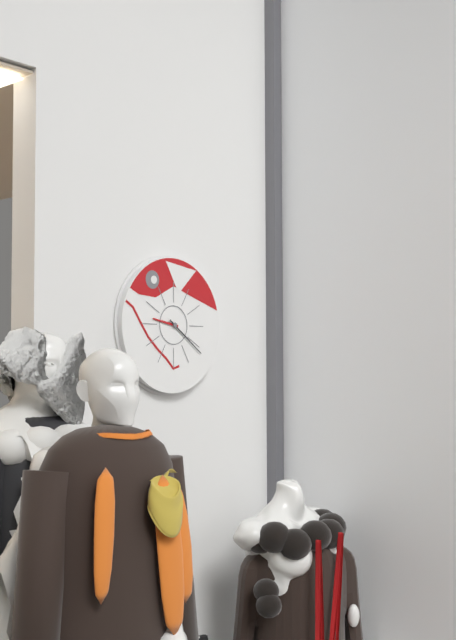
9h21
